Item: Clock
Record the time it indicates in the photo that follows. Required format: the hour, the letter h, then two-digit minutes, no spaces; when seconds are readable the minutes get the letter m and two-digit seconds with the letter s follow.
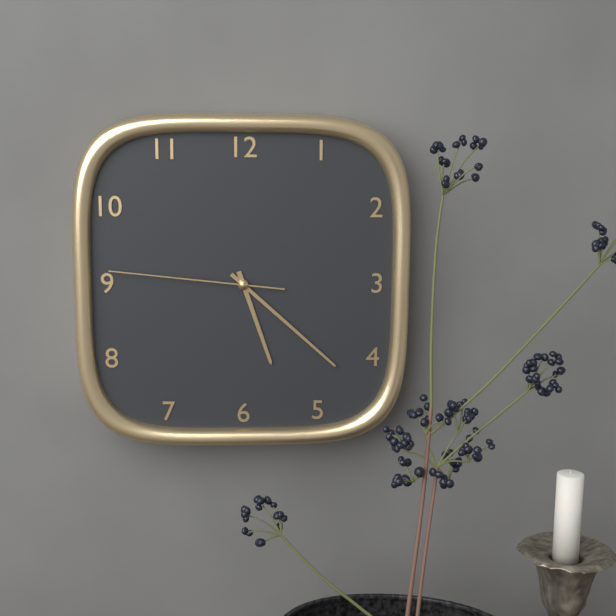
5h22m46s
